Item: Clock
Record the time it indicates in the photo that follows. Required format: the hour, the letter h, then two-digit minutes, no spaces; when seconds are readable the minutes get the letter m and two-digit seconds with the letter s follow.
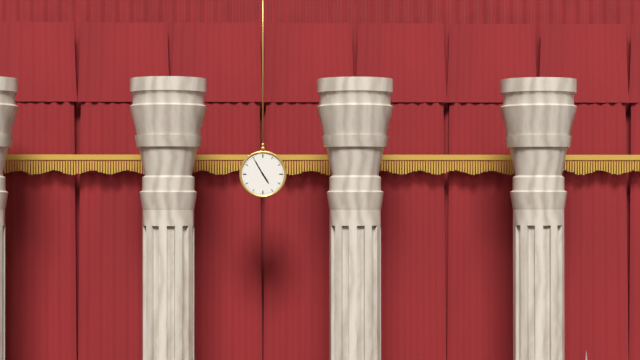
4h55
